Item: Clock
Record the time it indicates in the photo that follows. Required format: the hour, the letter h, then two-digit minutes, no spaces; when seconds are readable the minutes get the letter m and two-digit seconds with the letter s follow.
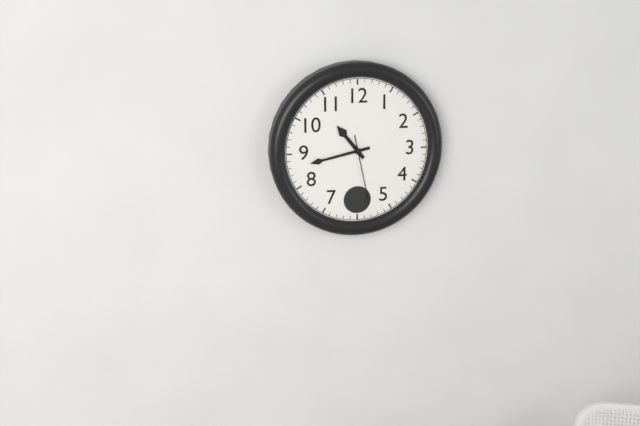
10h43m28s
